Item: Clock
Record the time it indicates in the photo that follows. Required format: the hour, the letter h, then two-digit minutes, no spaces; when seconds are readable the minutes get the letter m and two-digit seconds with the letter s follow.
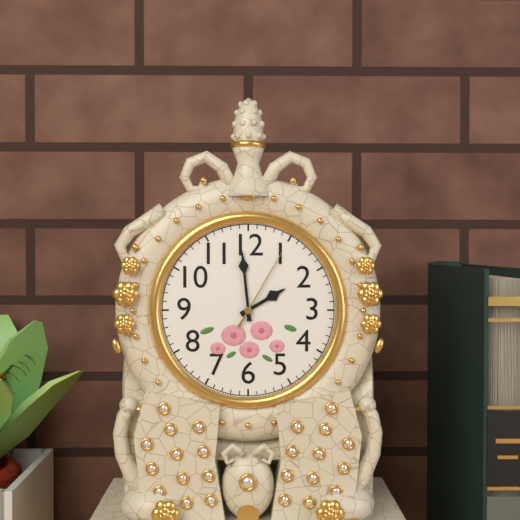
1h59m05s
